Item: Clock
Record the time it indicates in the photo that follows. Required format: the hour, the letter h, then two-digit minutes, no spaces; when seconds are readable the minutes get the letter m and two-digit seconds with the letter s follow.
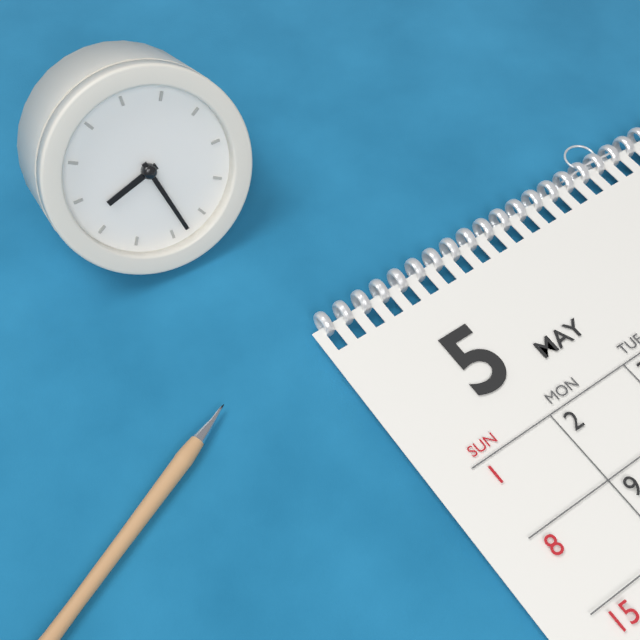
8h28
